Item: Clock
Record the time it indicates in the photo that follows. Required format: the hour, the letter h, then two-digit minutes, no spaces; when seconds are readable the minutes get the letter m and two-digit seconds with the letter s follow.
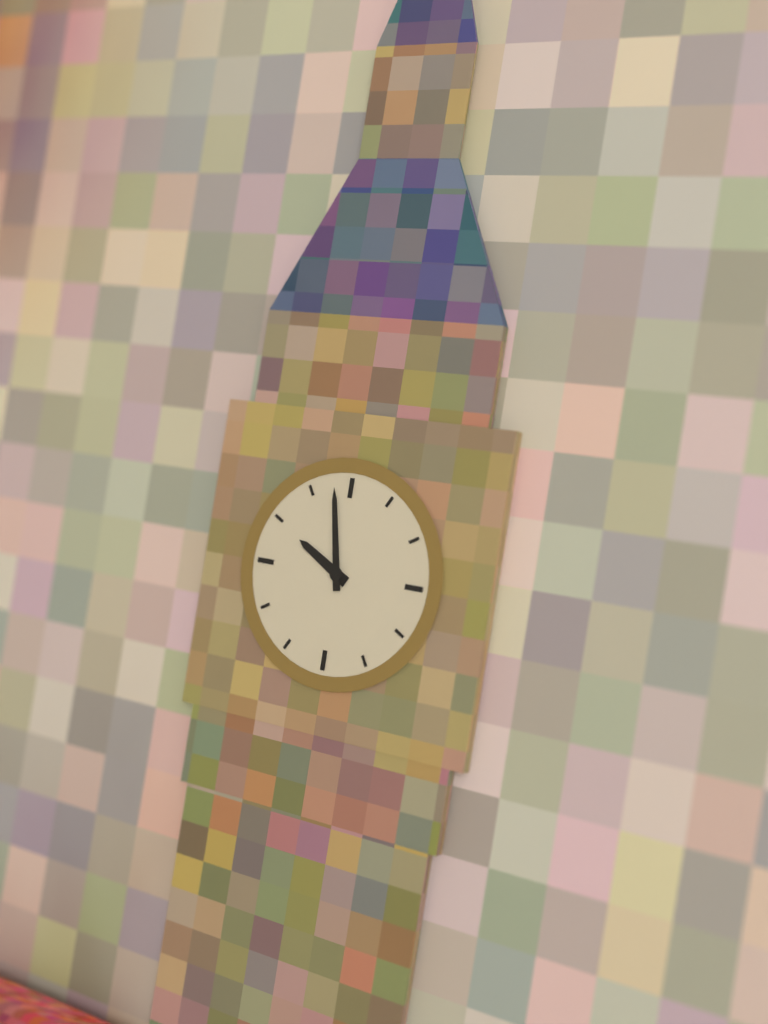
9h58
